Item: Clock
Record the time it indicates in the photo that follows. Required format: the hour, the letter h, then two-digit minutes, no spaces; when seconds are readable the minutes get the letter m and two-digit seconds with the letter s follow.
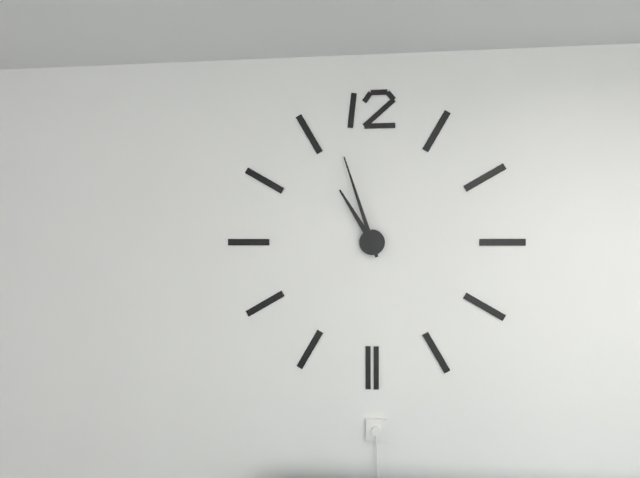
10h57
